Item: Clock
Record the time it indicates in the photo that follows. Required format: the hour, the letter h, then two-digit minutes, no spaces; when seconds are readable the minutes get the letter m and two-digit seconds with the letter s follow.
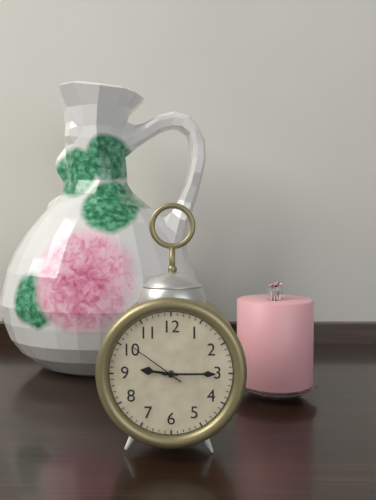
9h15m51s
